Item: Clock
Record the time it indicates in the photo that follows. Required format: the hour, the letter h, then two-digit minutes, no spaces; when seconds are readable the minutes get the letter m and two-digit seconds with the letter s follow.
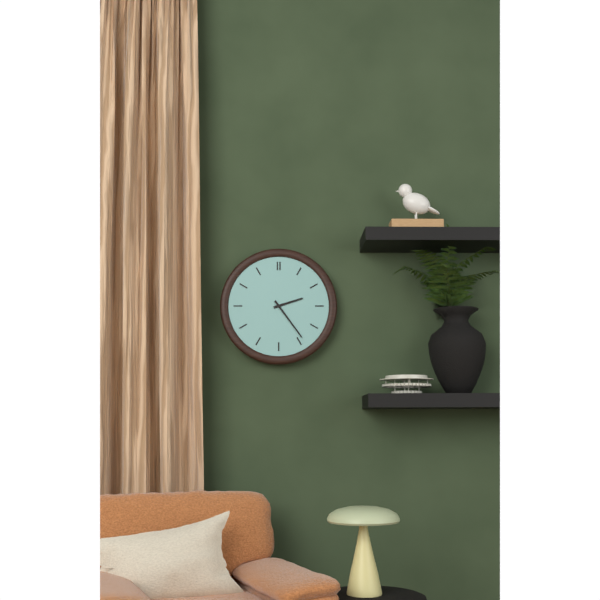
2h24
